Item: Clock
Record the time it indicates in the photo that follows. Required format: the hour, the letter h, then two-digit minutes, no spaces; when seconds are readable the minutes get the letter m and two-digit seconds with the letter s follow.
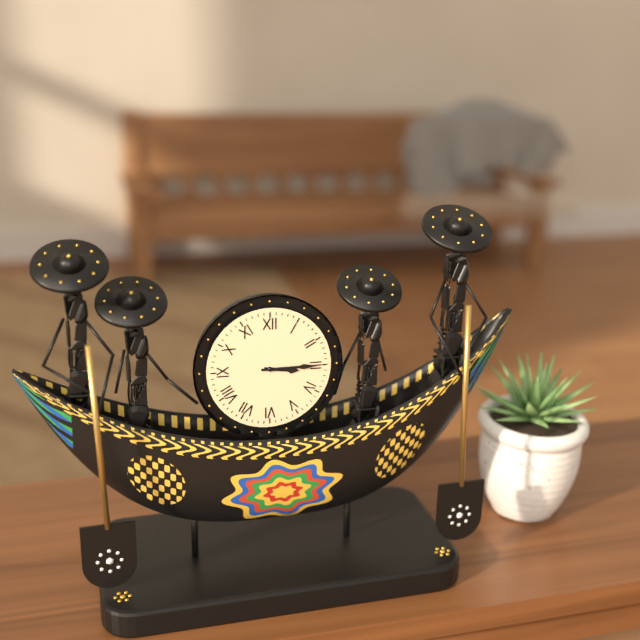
3h15
